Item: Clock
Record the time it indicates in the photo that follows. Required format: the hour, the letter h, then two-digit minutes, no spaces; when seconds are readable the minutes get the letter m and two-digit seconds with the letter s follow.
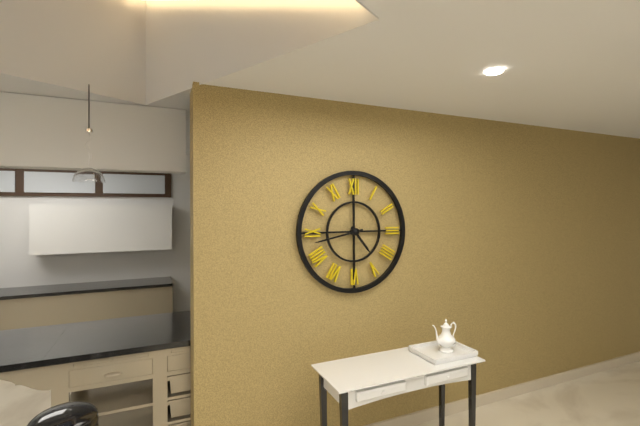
4h43
